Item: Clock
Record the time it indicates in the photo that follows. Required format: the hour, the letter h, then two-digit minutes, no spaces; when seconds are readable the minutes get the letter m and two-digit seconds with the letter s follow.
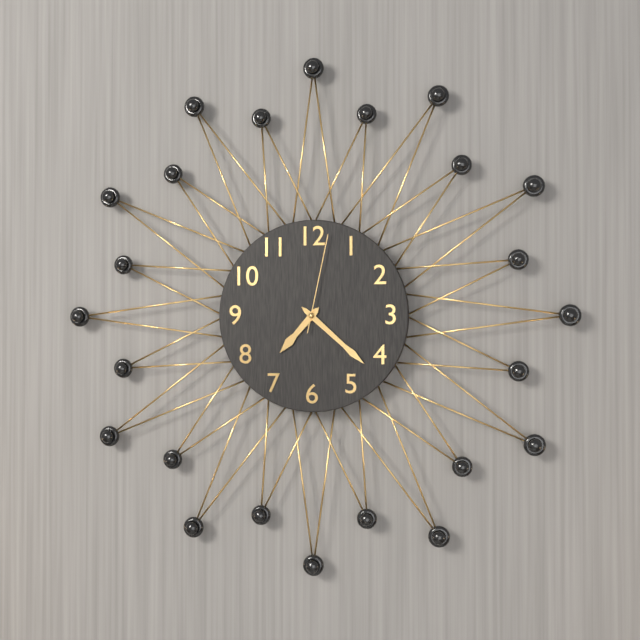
7h22m02s
